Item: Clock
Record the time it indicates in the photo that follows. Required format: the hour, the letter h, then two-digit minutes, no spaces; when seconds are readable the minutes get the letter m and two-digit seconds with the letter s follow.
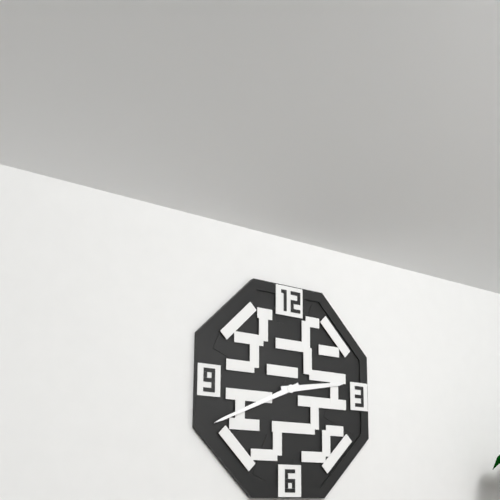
2h41
